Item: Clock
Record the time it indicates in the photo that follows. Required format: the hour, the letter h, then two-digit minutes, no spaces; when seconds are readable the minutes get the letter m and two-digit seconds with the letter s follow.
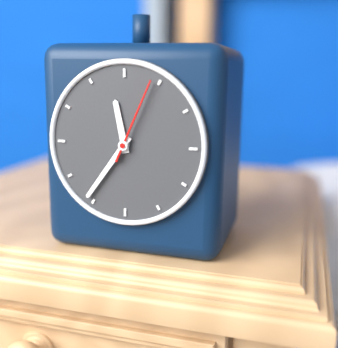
11h36m04s
